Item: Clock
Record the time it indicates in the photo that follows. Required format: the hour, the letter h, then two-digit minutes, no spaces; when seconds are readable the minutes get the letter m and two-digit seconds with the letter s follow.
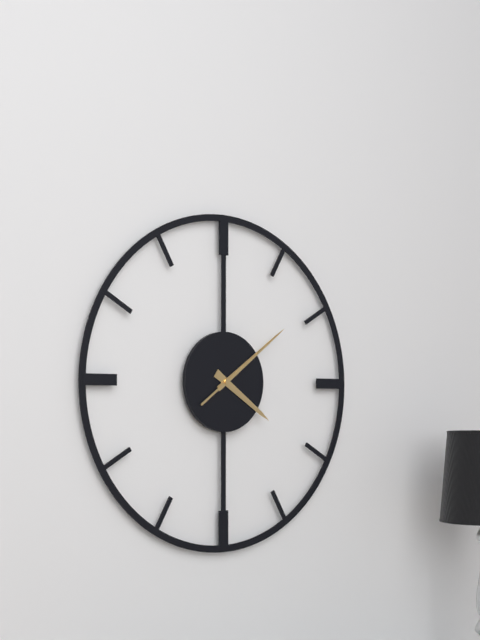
4h09m09s
